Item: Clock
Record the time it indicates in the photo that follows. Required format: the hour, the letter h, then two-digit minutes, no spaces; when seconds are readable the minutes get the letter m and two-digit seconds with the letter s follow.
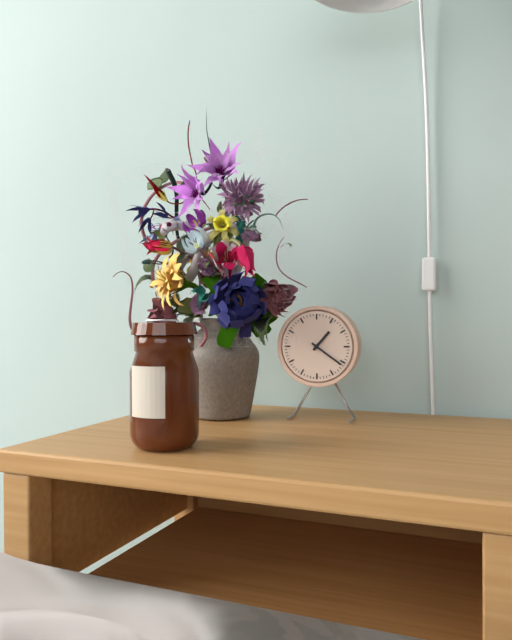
1h21
